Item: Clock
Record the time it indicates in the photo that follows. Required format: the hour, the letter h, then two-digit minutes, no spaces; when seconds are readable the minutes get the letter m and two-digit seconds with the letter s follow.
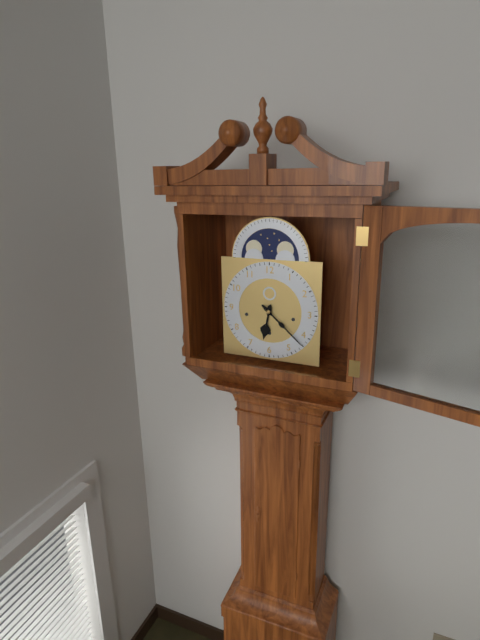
6h22
